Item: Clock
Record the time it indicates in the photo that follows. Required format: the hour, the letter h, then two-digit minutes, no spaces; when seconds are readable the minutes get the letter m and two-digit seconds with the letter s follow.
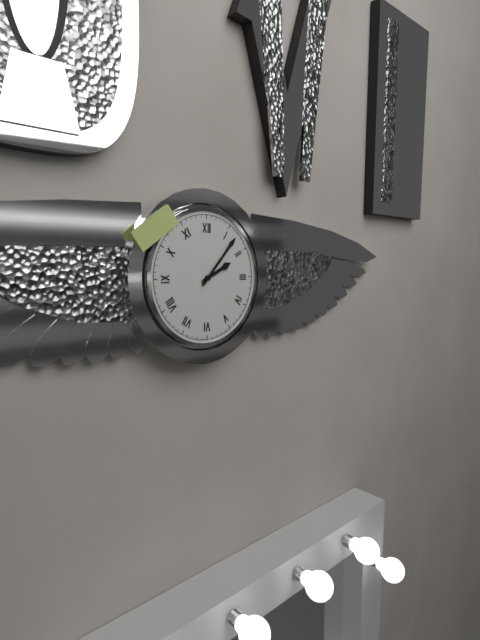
2h07
